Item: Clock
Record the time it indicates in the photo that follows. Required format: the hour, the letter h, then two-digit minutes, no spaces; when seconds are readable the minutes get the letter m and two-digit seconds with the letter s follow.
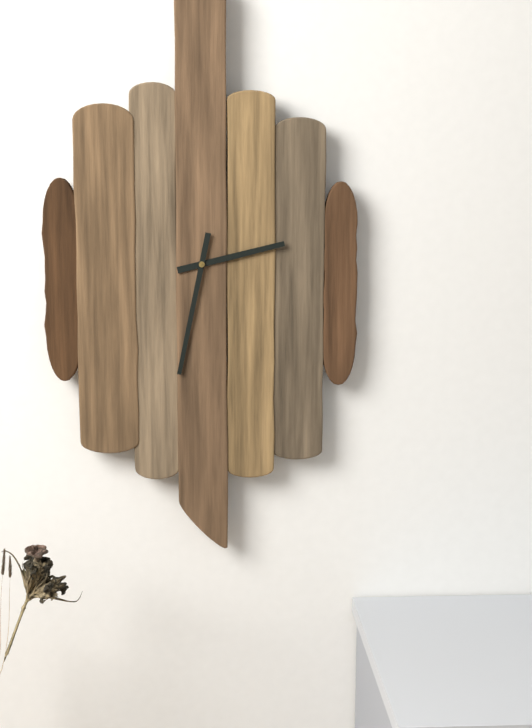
2h32
